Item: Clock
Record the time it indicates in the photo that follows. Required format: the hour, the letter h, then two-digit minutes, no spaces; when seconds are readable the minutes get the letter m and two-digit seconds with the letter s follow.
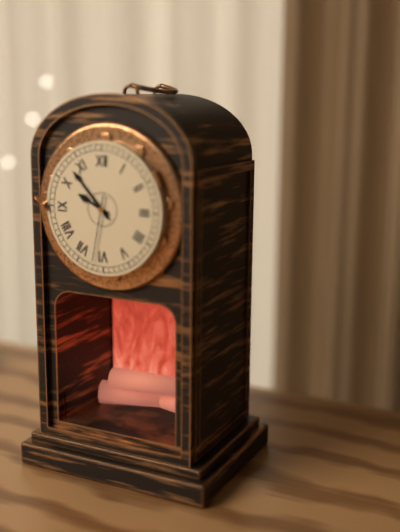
9h53m32s
